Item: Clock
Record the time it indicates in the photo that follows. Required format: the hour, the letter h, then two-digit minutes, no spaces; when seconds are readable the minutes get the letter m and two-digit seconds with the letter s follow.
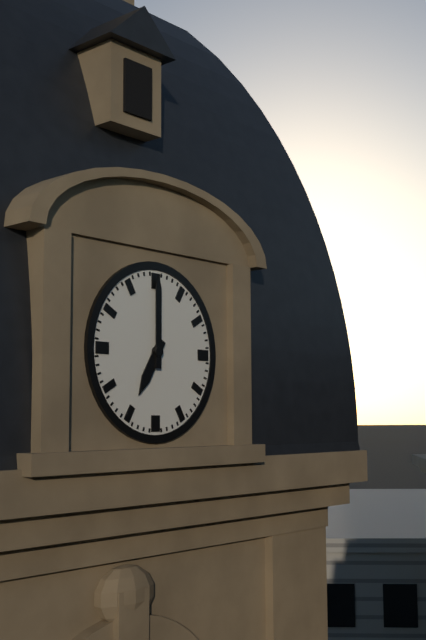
7h00
